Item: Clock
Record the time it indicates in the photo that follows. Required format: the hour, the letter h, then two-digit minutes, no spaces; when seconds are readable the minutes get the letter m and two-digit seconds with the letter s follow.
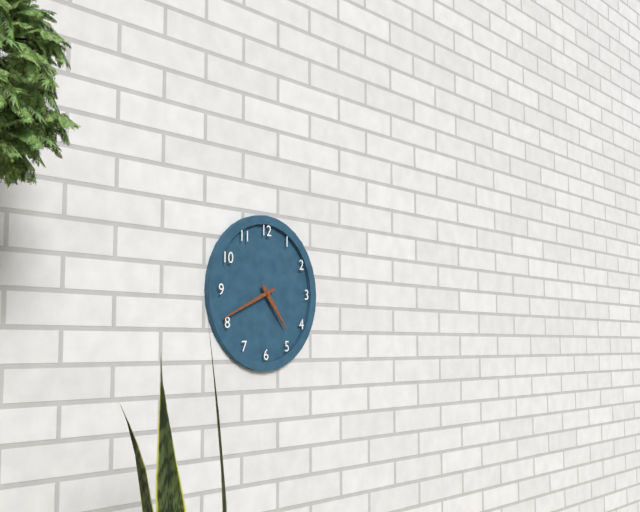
4h41
